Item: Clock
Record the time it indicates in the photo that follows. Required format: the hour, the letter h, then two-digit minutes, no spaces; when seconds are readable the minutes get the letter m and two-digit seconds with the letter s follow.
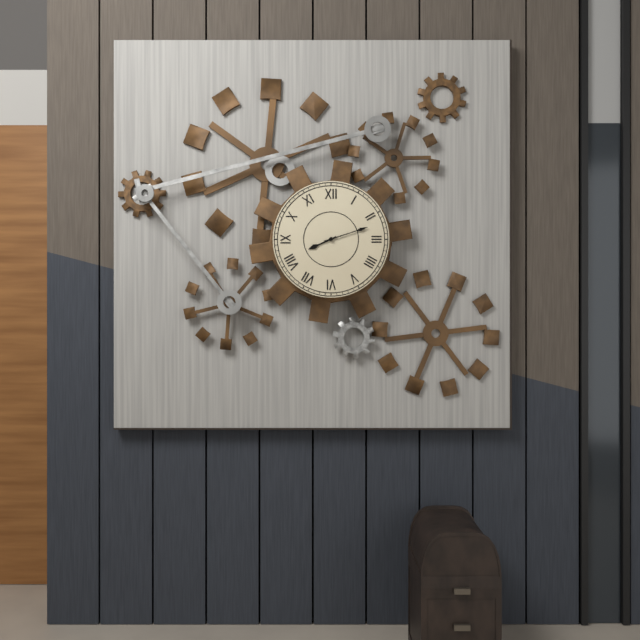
8h12
